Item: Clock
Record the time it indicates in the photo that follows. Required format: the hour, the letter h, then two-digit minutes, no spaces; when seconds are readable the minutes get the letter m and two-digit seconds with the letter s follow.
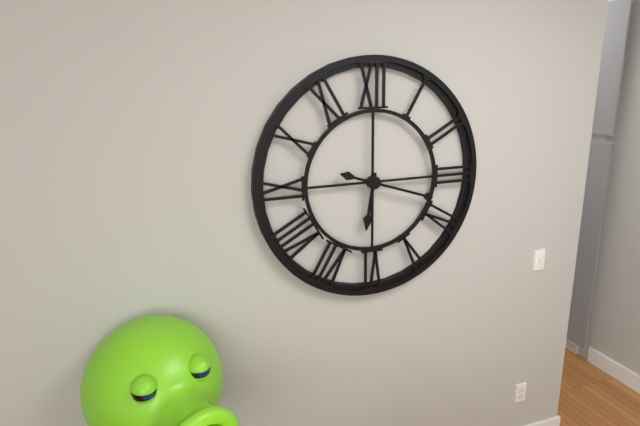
6h18
